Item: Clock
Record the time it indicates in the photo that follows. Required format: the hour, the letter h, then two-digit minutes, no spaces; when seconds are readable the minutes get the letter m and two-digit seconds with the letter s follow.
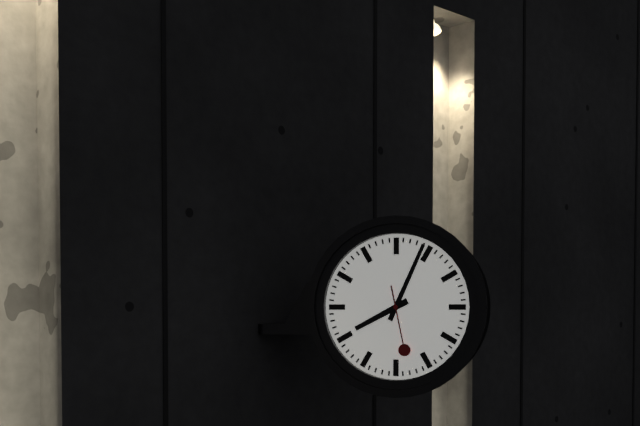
8h04m28s
